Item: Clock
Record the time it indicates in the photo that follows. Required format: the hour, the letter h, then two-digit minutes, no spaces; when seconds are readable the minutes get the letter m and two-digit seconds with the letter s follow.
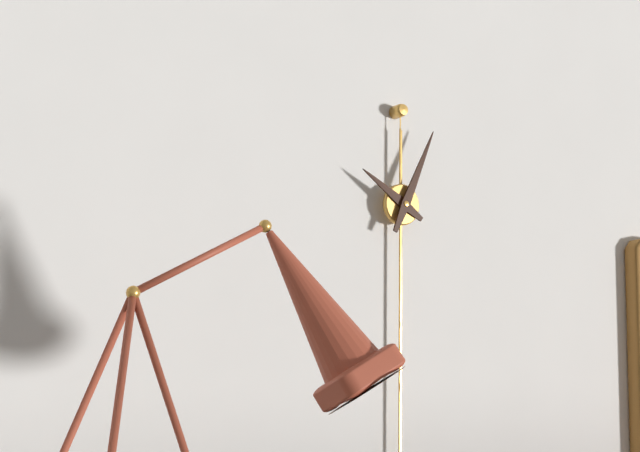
10h04
